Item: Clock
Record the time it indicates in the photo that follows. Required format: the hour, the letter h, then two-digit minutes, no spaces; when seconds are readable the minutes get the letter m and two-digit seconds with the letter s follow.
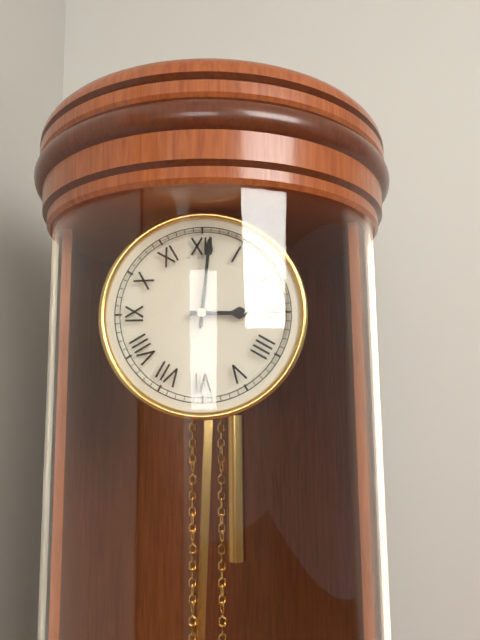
3h01
